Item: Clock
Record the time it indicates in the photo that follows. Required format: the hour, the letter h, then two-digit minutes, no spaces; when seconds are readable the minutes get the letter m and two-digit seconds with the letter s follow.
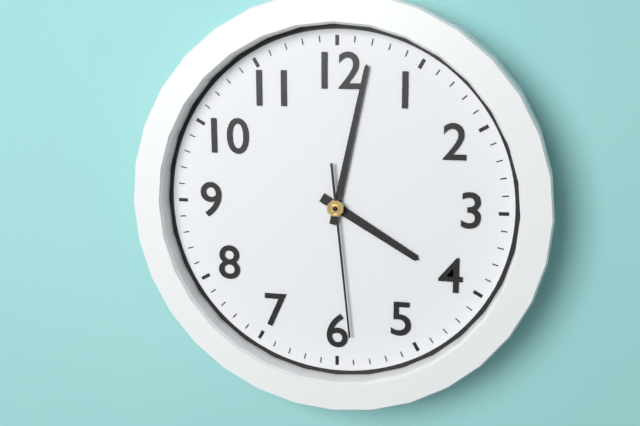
4h02m29s
